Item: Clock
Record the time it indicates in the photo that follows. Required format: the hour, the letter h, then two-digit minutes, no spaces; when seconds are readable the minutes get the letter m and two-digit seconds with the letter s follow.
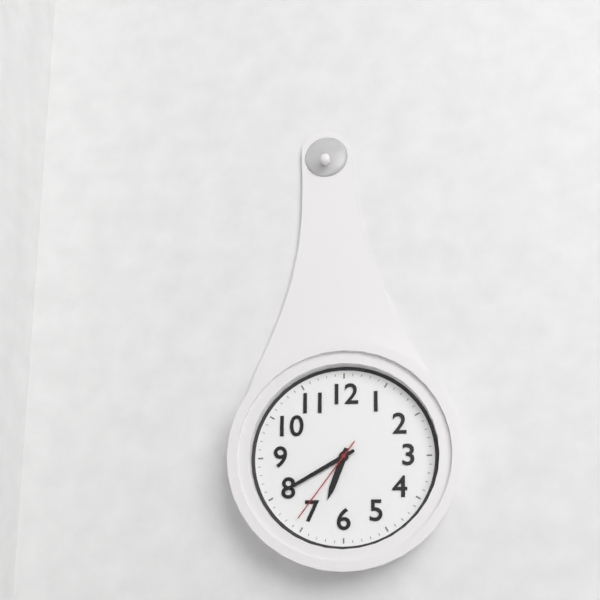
6h40m36s
